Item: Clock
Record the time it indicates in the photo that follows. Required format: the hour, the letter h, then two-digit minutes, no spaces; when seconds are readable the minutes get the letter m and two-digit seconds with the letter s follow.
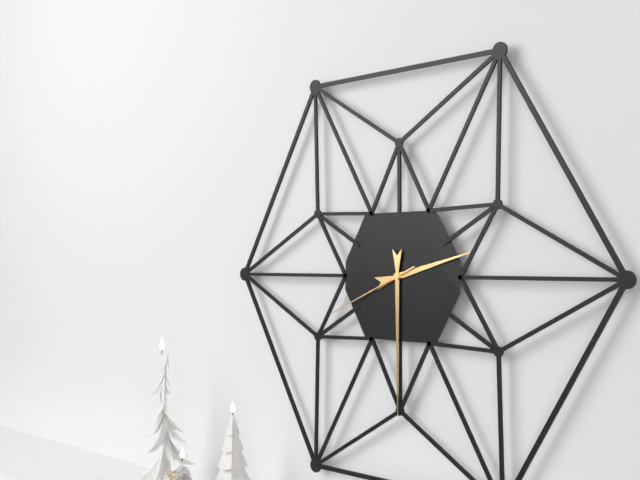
2h30m41s
